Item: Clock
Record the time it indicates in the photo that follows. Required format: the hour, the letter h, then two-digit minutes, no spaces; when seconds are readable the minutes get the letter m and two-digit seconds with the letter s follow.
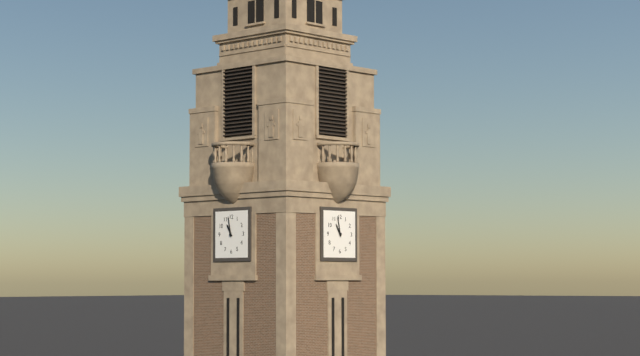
10h58
